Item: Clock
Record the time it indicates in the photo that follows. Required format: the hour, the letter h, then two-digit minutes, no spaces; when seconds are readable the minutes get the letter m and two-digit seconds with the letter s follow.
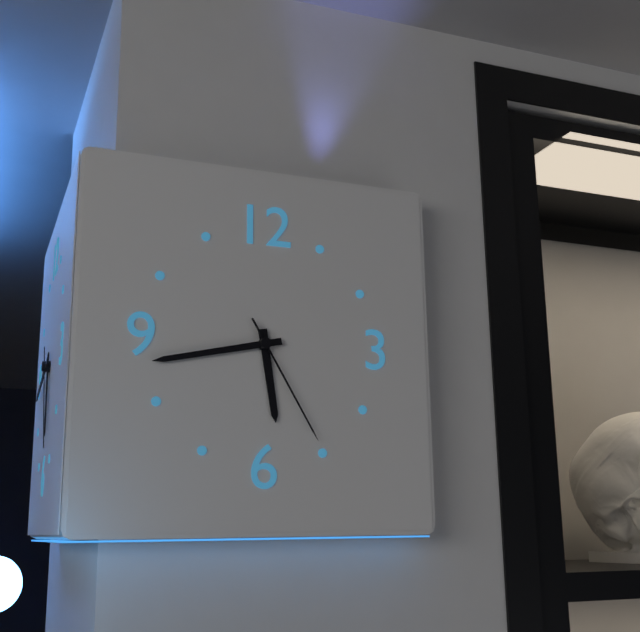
5h43m25s
